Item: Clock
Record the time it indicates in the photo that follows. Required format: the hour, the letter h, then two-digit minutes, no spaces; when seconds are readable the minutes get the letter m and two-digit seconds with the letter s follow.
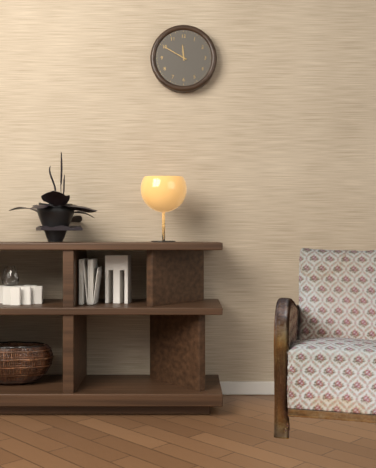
11h50
